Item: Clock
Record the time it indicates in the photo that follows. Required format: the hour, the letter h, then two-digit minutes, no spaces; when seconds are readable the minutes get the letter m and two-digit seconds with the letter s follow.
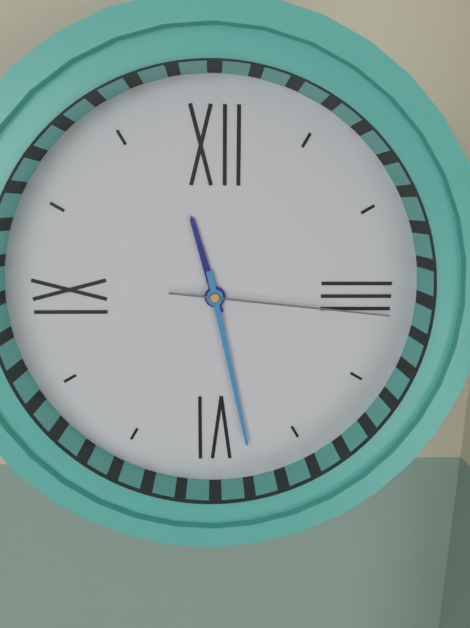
11h28m16s
